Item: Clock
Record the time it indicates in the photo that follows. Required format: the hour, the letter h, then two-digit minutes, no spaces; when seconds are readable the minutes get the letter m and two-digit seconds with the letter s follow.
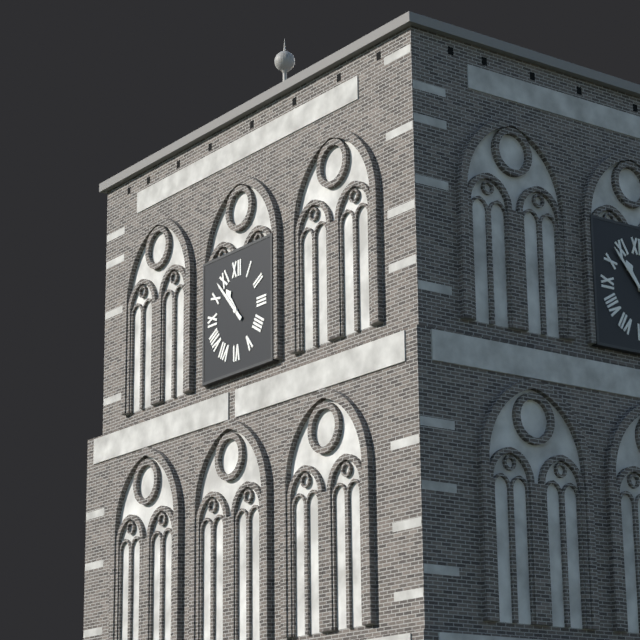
10h53
